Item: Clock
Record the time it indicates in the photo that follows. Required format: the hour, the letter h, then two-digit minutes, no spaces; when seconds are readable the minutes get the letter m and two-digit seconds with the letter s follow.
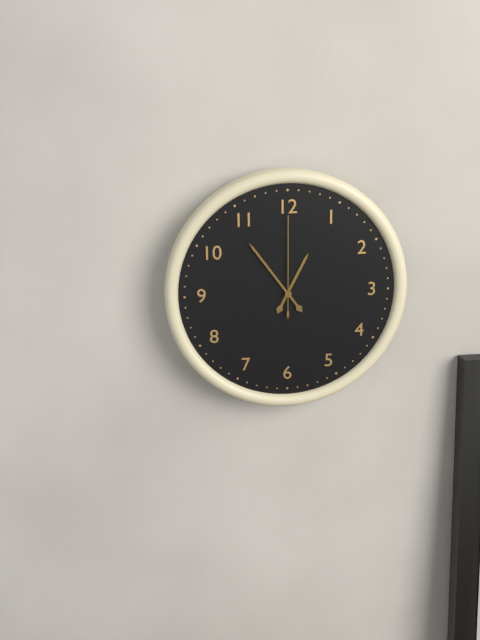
12h54m00s
